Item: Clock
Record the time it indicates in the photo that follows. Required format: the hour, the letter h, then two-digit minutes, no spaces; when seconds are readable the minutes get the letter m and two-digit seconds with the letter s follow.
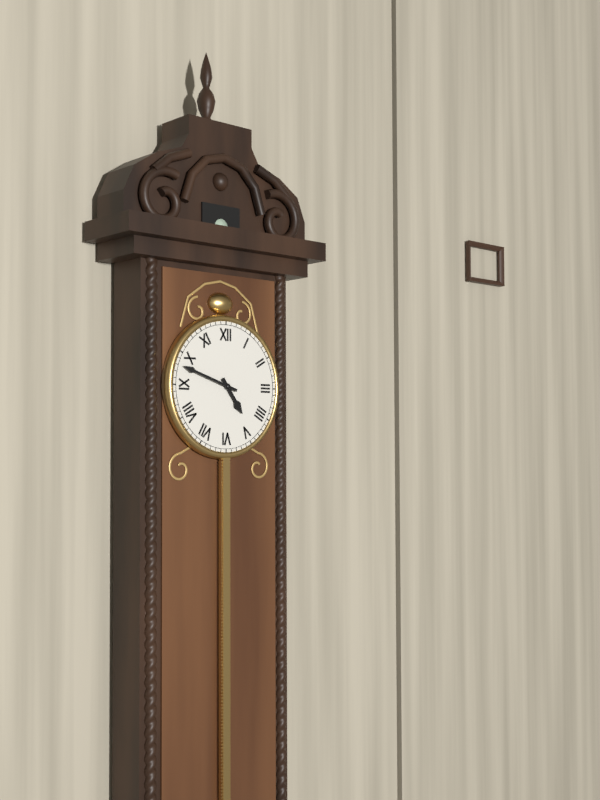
4h48
